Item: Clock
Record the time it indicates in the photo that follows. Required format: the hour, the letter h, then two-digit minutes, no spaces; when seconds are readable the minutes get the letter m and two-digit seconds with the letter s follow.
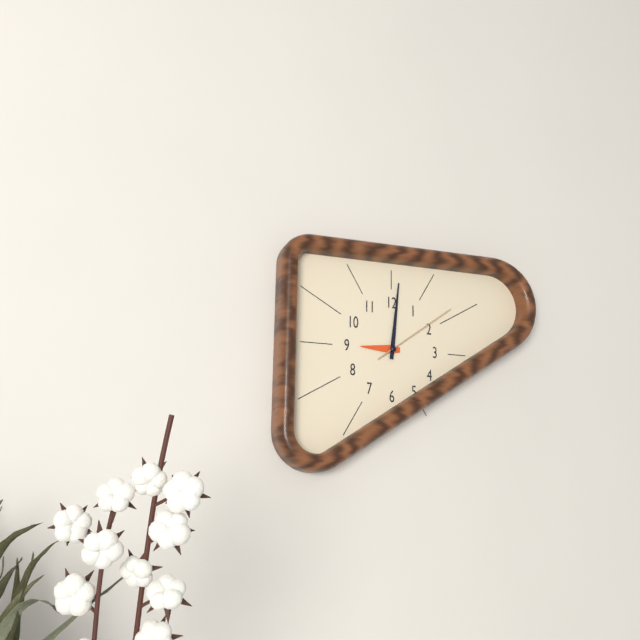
9h01m09s
